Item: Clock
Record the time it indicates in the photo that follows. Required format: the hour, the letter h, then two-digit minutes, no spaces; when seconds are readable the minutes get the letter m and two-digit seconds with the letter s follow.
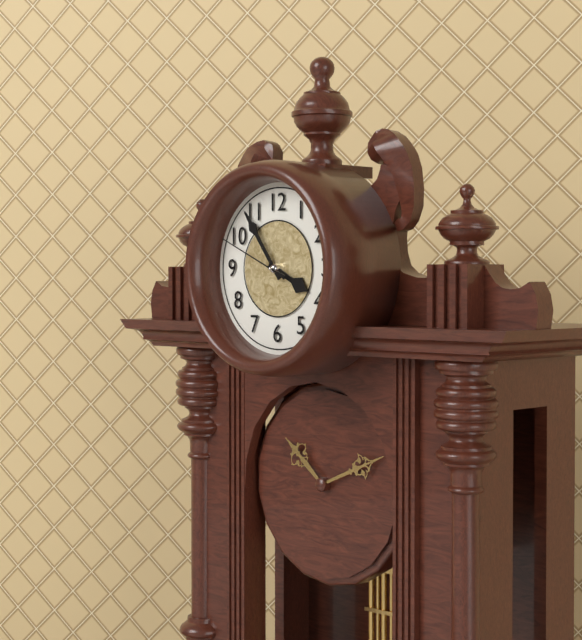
3h54m49s
